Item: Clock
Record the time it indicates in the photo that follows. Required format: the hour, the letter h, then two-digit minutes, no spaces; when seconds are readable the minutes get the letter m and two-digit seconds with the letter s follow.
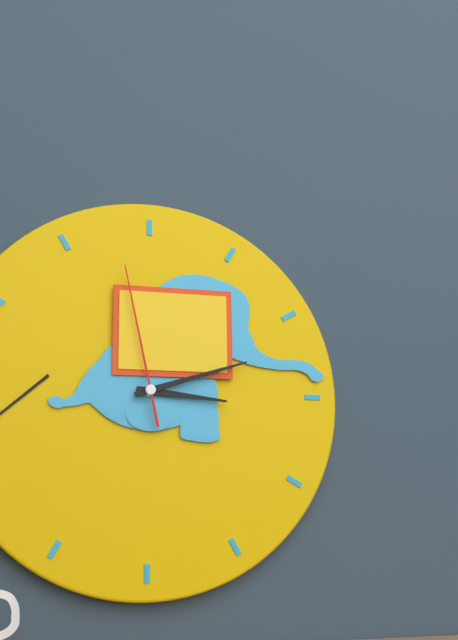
3h12m58s
